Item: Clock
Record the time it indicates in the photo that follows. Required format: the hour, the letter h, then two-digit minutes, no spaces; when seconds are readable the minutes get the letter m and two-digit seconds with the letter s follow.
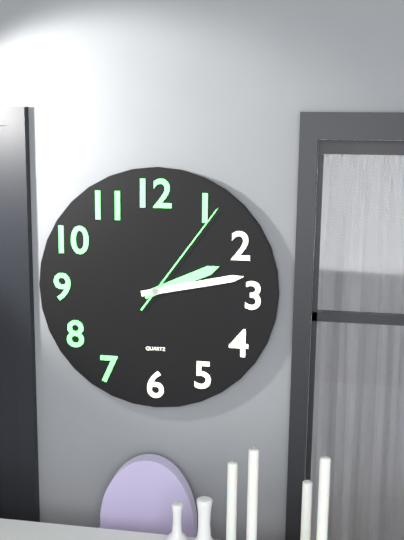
2h13m06s
